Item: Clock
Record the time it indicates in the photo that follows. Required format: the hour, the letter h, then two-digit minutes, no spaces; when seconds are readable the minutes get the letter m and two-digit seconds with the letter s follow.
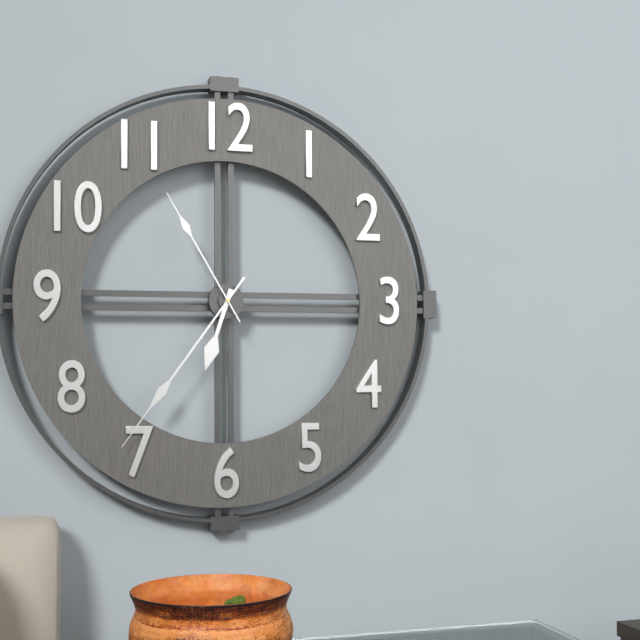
6h36m55s
